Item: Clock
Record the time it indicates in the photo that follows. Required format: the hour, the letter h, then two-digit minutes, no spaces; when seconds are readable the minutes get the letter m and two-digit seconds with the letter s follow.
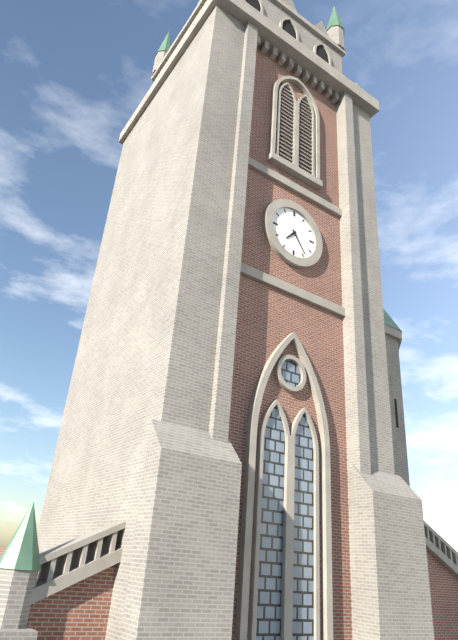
7h24
